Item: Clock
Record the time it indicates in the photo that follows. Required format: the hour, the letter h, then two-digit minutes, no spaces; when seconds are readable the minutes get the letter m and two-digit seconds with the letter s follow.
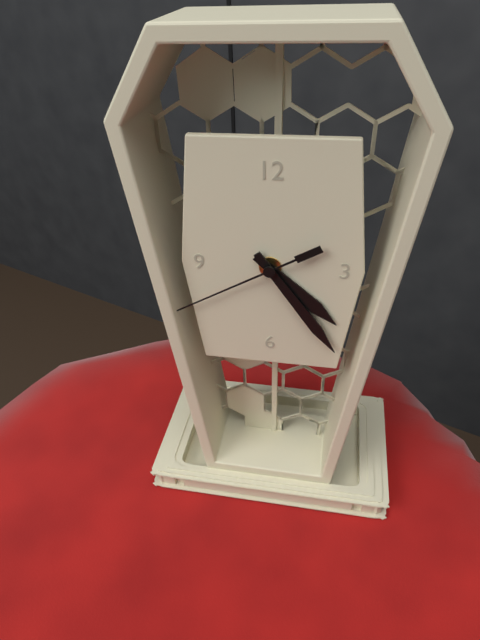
4h24m40s
